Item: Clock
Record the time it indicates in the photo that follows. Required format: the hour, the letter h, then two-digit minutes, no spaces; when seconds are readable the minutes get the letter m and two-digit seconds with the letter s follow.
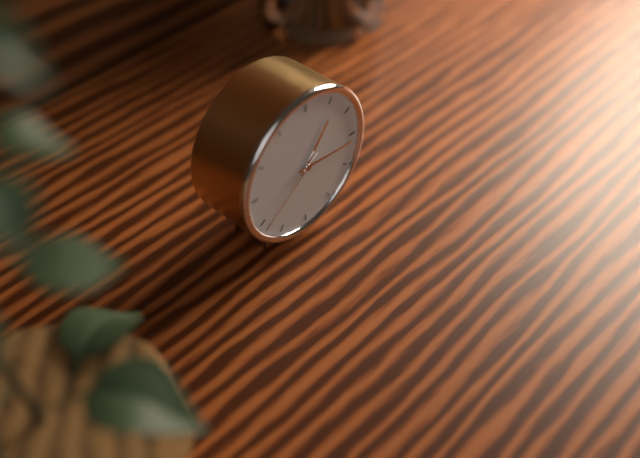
1h16m39s
